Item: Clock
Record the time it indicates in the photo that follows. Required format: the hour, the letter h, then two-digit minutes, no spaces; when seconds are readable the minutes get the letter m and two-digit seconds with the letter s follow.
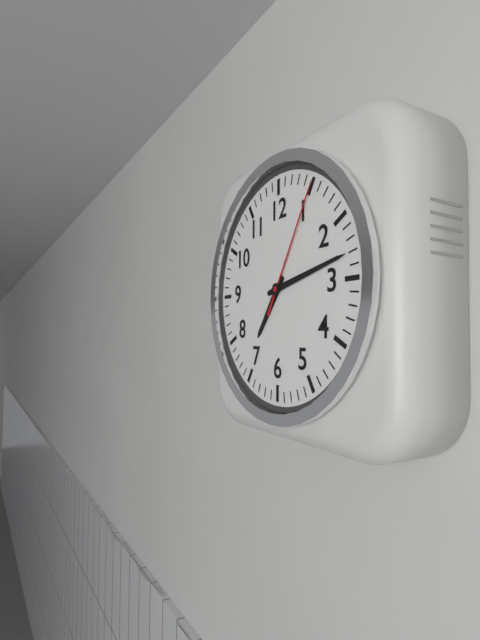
7h13m05s
